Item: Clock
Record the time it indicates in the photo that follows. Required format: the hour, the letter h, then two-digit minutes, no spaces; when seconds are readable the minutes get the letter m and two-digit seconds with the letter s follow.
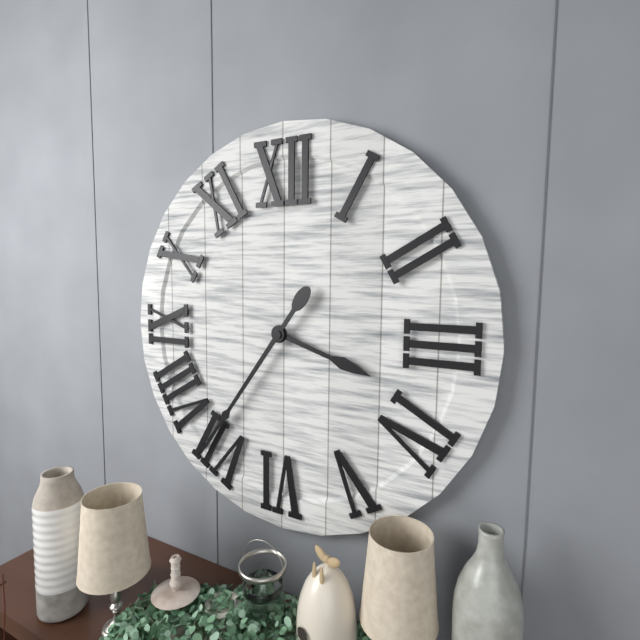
3h36
